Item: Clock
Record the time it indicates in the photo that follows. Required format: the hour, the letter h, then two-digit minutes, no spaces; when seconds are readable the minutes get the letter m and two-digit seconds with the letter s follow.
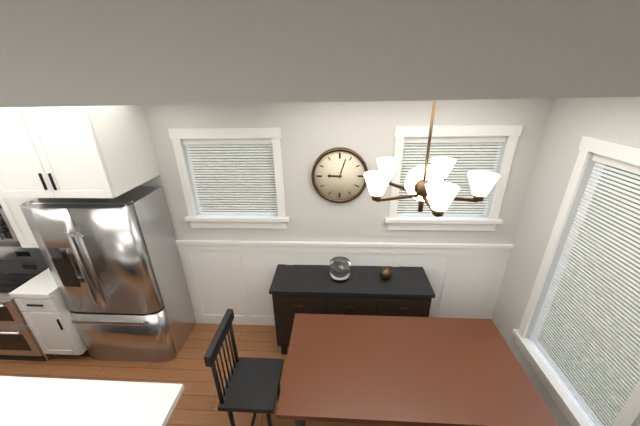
9h03
